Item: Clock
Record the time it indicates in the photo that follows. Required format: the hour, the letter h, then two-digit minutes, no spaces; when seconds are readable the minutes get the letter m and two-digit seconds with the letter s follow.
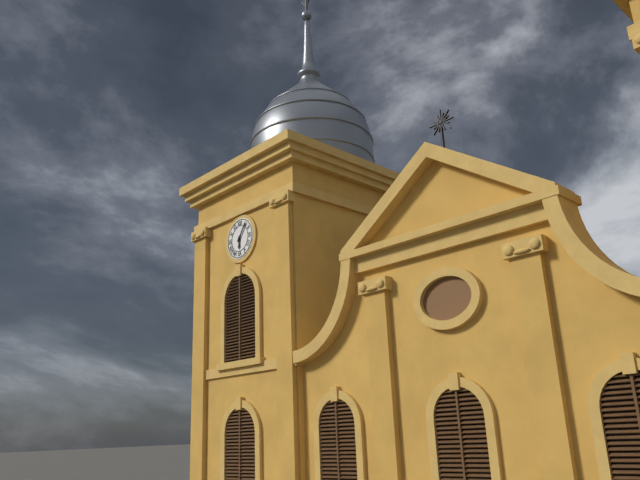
6h06
